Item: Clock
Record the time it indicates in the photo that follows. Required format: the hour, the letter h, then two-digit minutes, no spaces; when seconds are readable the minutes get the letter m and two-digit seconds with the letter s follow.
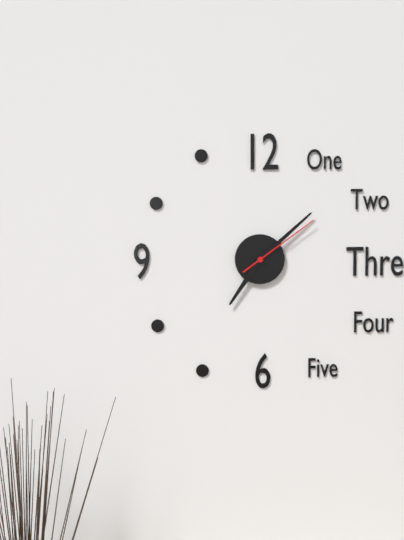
7h08m09s
